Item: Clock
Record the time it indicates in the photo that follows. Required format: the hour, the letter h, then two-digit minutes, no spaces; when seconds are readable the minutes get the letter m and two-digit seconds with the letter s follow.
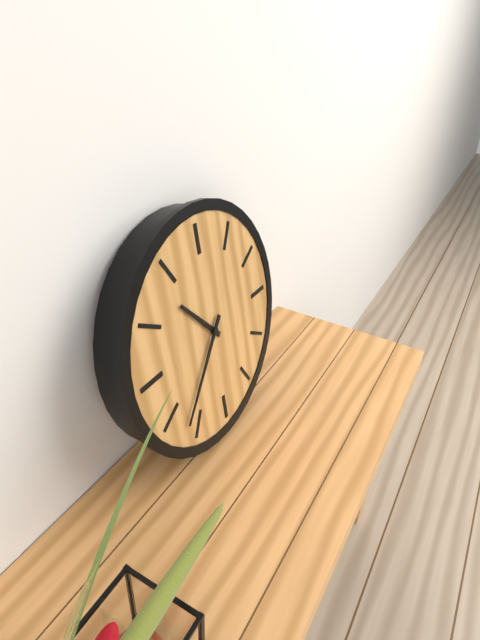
10h37
